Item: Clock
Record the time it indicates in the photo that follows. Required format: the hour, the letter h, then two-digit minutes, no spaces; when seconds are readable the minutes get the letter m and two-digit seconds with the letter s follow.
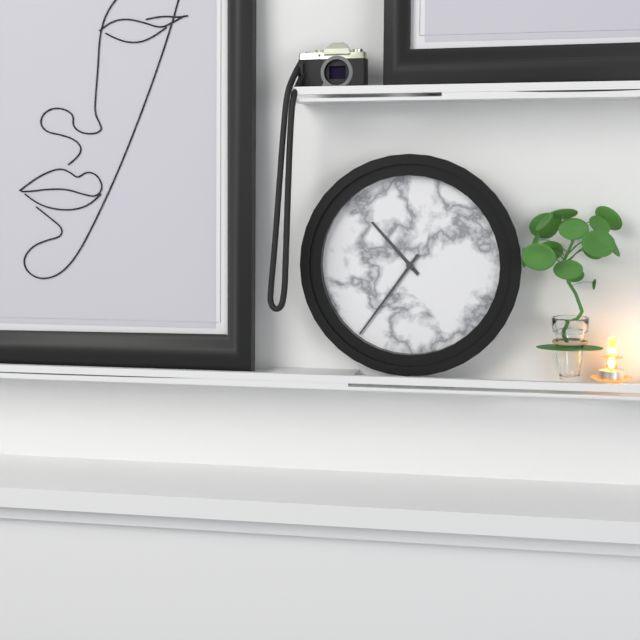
10h36
